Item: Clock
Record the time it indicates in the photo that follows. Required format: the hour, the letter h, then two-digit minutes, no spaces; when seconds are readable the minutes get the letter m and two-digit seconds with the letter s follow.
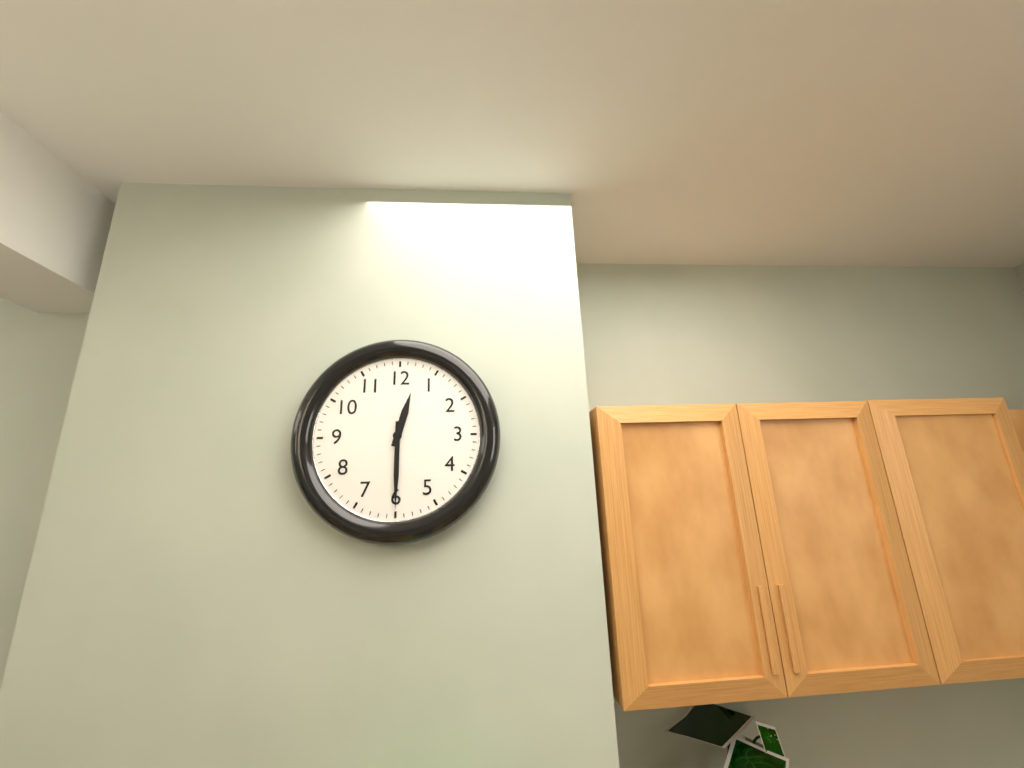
12h30
